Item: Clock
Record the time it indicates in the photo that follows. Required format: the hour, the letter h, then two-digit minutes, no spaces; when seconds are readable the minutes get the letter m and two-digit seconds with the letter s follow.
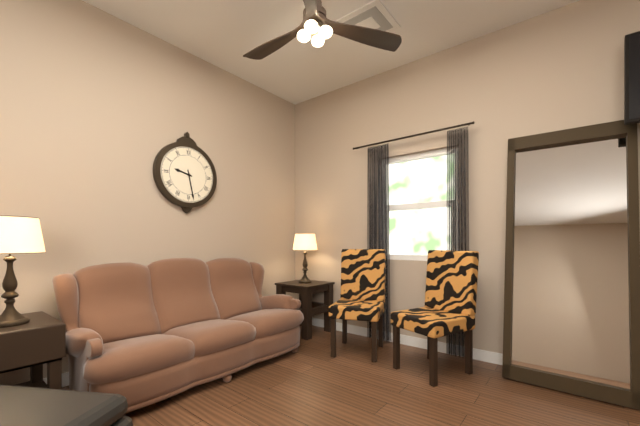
9h28
